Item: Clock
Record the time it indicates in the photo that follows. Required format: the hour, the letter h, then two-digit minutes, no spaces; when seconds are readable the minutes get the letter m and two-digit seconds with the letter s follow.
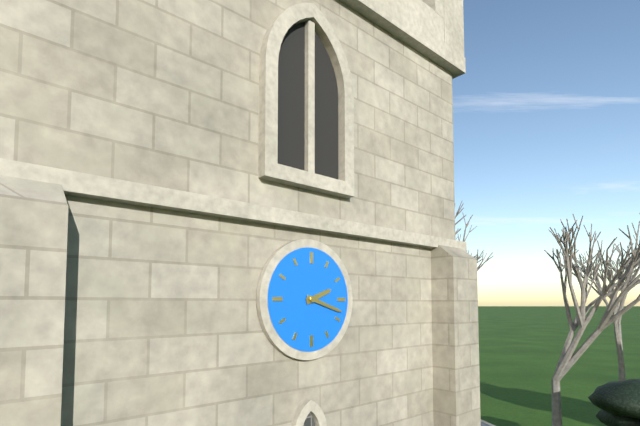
2h18
